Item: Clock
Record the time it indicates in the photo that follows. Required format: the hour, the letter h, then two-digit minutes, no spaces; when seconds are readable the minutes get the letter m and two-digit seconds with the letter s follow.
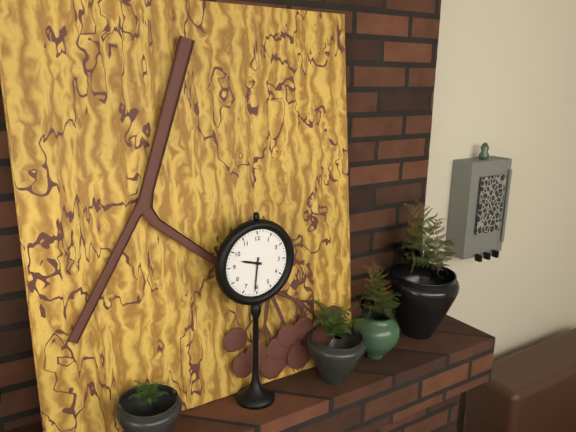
9h31
